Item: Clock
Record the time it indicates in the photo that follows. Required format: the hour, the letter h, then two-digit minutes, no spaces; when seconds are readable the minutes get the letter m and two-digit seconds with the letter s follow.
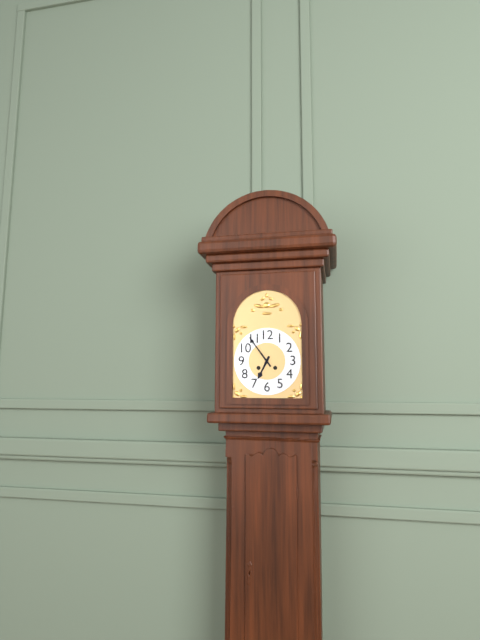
6h54
